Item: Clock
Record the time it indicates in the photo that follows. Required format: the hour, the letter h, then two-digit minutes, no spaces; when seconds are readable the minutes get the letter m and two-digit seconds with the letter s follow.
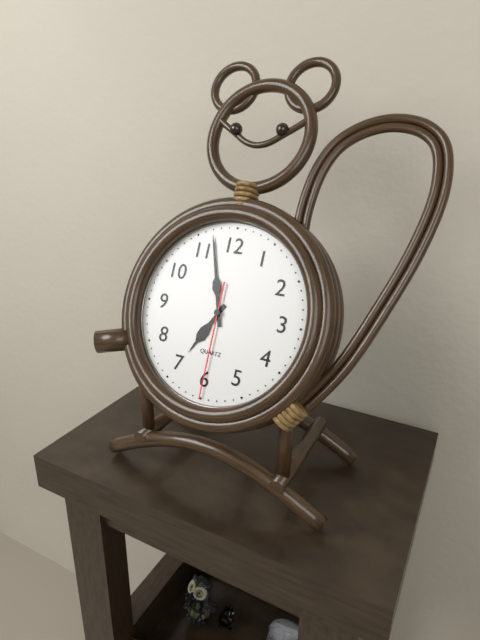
6h57m30s
